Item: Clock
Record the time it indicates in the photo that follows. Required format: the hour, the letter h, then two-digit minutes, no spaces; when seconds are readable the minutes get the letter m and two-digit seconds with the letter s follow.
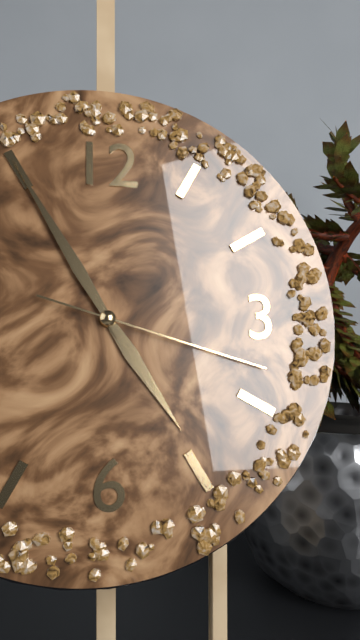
4h55m18s
